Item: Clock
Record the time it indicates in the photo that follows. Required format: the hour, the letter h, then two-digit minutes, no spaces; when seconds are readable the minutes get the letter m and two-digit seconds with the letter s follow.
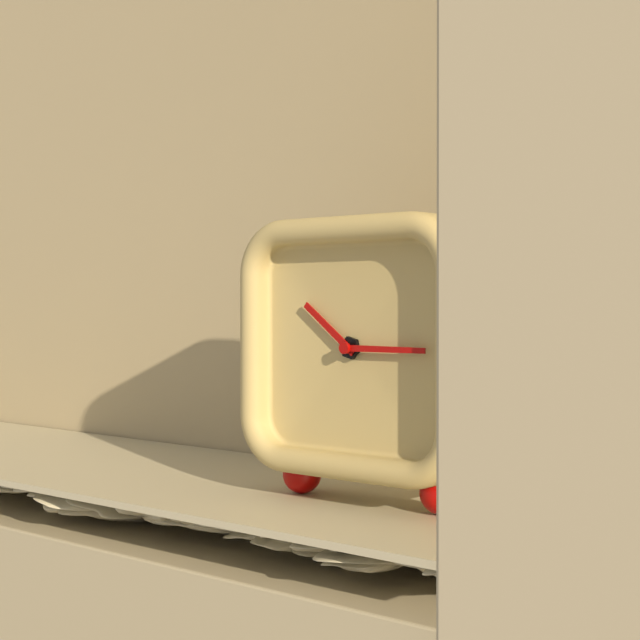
10h15
